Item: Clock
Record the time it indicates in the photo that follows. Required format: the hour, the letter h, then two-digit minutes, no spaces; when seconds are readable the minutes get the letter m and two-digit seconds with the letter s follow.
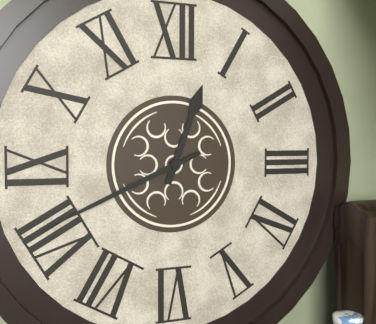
12h41
